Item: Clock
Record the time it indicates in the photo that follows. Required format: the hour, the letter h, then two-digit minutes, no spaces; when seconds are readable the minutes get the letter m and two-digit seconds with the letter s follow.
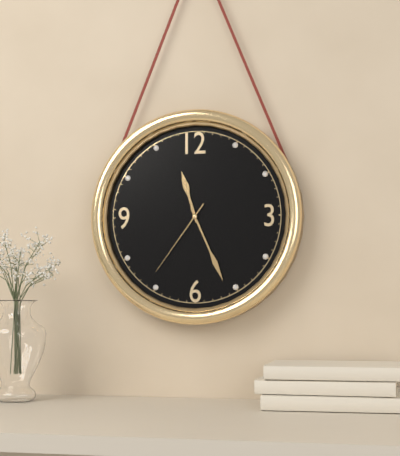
11h26m36s
